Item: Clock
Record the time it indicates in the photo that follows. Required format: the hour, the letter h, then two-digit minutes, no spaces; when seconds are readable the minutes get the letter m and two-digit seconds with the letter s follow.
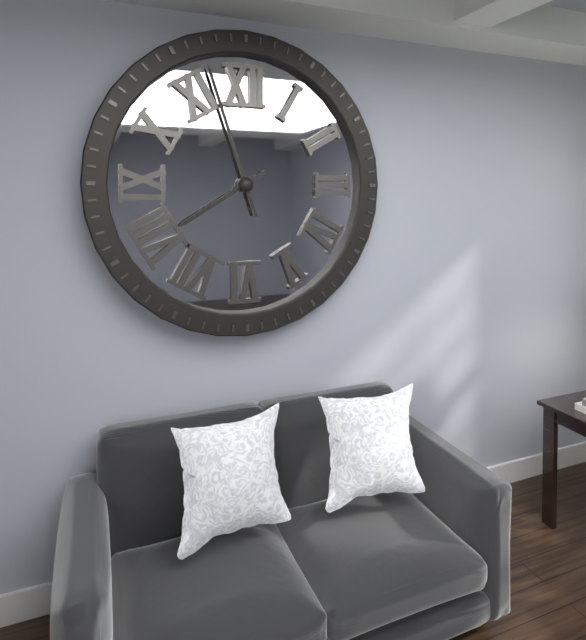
7h57
